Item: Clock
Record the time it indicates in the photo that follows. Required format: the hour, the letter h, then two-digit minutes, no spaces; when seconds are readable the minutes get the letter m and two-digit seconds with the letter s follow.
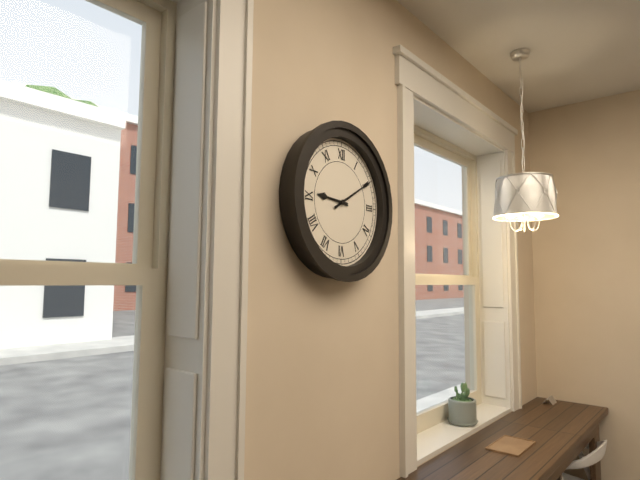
9h10
